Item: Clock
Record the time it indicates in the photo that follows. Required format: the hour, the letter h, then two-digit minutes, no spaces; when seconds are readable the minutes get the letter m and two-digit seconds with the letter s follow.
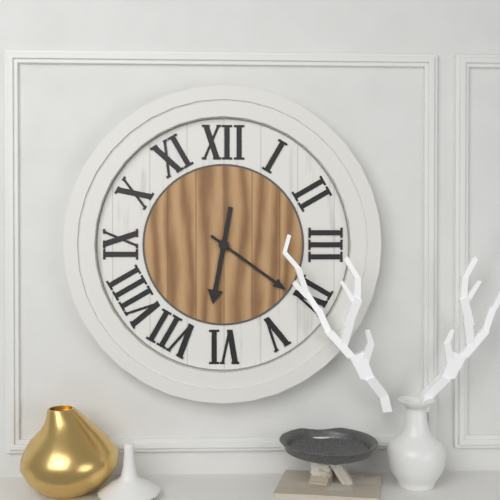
6h21
